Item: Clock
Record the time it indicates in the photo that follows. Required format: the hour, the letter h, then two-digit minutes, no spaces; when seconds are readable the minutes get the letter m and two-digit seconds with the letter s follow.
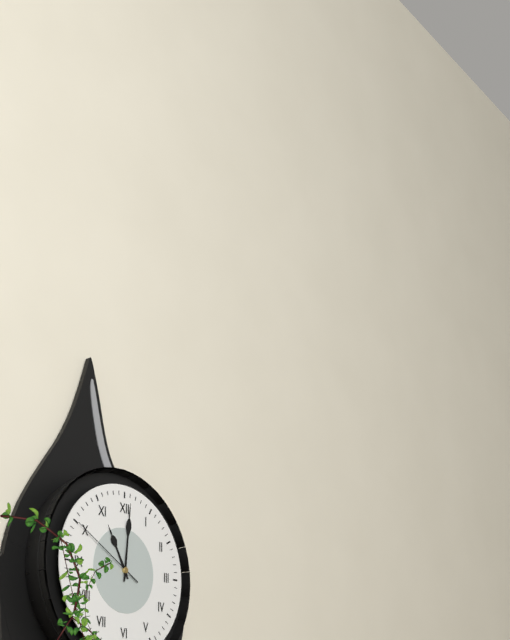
11h01m50s
